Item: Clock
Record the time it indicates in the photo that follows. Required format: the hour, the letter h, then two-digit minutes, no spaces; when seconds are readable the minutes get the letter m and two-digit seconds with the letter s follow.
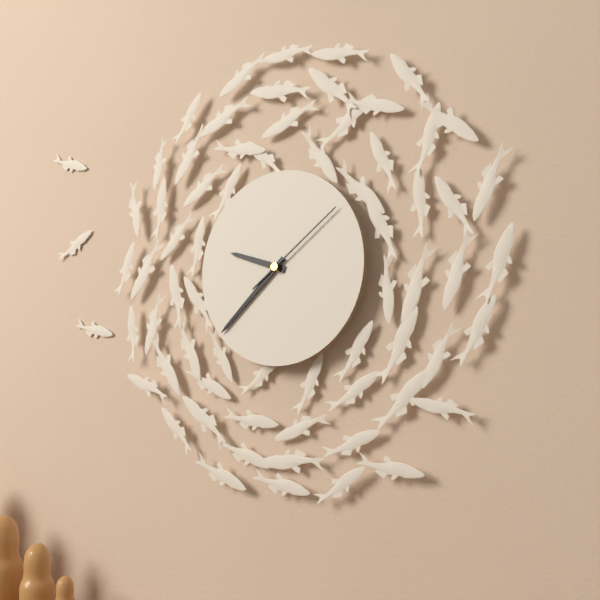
9h38m09s
